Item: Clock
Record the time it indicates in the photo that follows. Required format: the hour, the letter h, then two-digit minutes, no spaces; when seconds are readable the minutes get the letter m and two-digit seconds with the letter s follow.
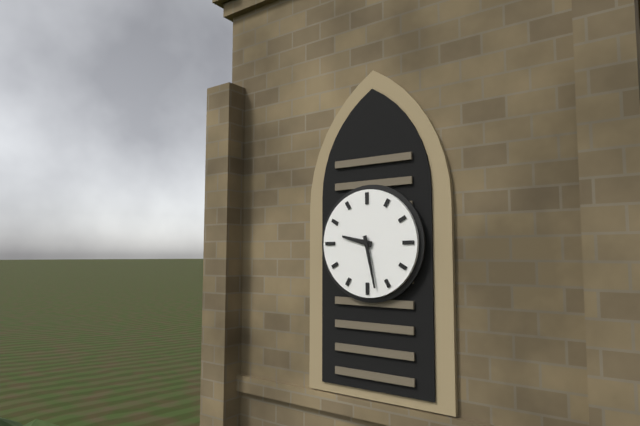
9h28
